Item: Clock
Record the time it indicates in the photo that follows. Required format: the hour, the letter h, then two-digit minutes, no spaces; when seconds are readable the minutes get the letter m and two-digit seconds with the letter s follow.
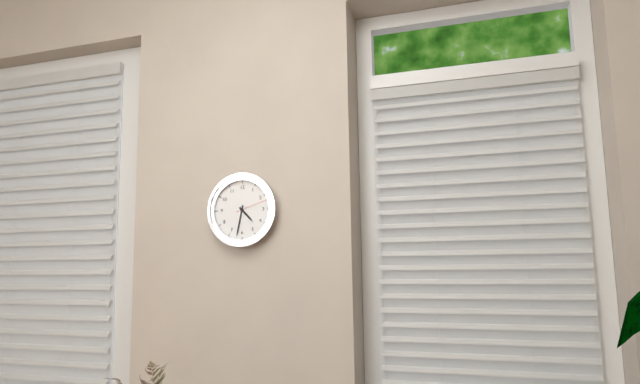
4h32
